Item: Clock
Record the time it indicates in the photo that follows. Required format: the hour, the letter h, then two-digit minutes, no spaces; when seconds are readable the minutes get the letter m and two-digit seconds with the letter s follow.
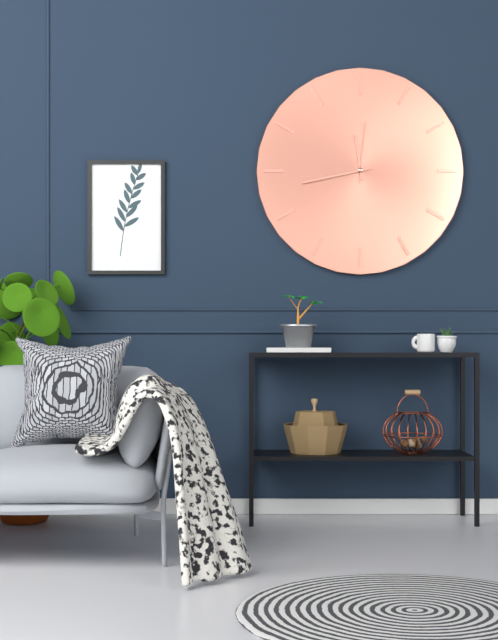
11h43m01s
